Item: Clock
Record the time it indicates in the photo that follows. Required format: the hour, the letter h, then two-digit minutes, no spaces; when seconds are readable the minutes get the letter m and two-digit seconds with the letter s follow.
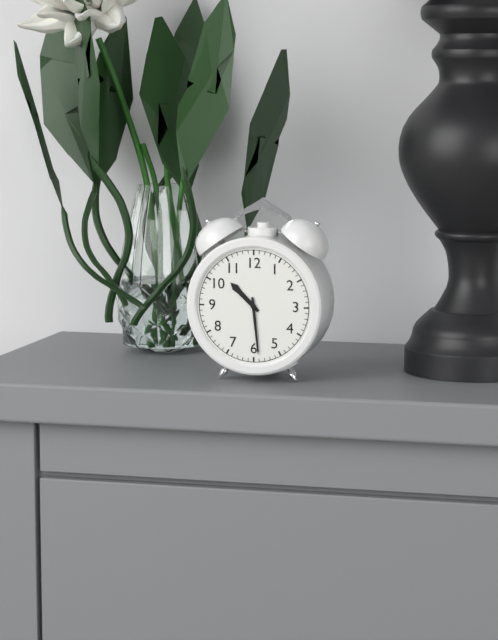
10h29
